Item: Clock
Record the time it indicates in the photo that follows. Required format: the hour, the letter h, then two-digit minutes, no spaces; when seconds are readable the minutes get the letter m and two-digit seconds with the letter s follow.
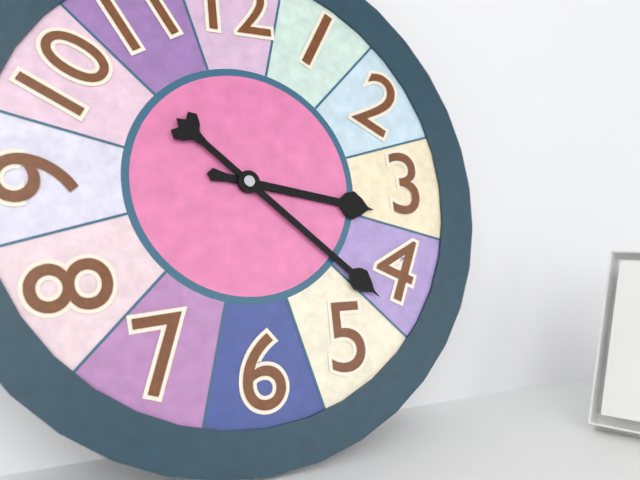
3h22
